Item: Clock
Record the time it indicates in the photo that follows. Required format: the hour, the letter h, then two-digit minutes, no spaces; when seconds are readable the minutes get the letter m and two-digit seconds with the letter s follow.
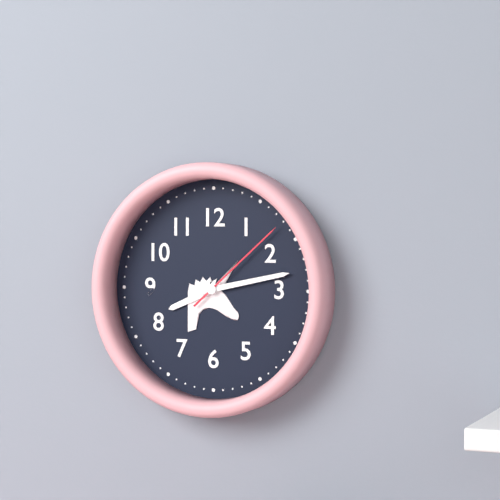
8h13m08s
